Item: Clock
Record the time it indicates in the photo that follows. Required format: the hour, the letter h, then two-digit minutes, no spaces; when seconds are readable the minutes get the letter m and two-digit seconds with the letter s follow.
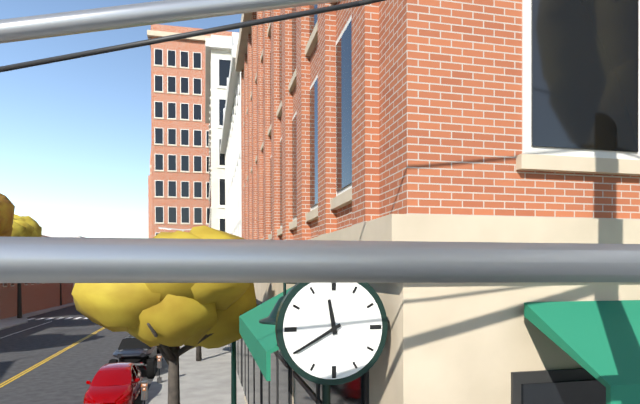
11h40
